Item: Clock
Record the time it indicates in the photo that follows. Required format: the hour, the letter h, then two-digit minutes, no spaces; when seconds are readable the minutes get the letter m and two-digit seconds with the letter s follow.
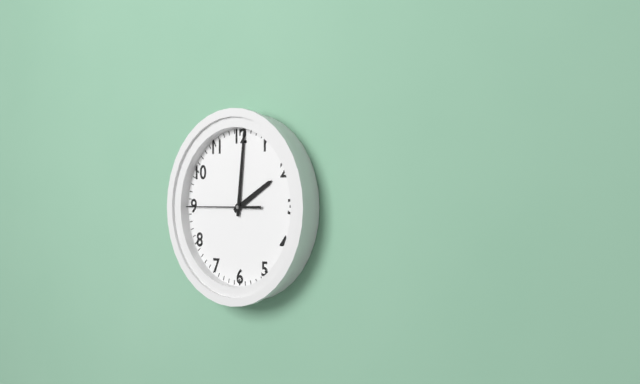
2h01m45s
